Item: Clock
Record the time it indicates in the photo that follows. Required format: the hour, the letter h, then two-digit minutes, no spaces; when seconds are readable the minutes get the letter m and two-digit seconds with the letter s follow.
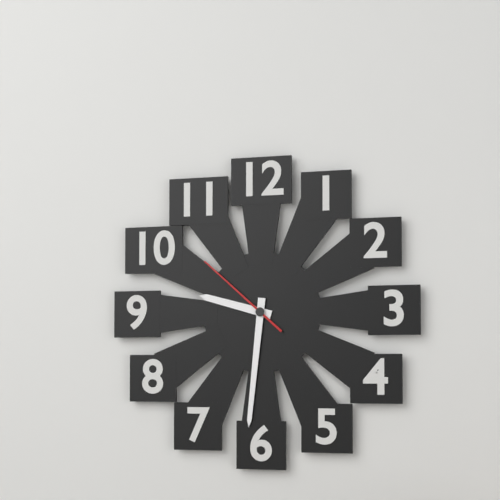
9h31m52s
